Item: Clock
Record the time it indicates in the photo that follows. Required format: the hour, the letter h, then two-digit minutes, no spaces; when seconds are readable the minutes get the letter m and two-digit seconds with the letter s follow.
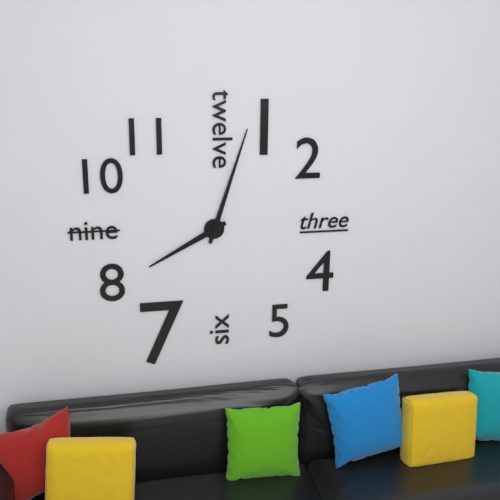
8h03
